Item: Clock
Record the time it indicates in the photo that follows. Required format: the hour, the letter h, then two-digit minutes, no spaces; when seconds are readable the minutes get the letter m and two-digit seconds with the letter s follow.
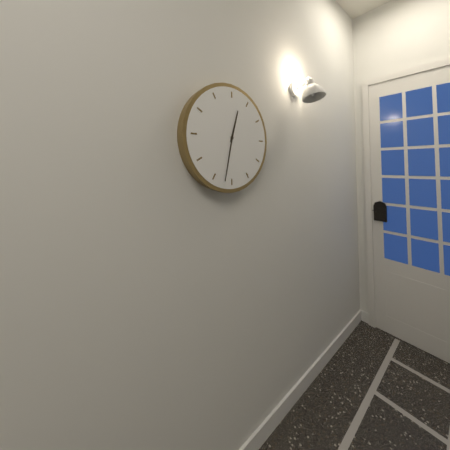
12h32
